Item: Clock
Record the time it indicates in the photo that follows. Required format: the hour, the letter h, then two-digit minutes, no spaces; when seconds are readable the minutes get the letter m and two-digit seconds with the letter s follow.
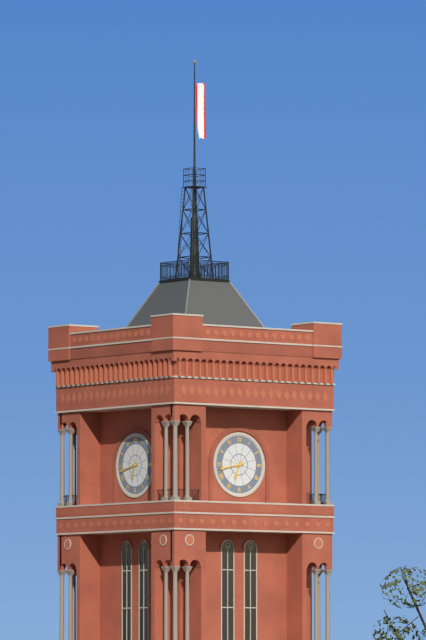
6h43
